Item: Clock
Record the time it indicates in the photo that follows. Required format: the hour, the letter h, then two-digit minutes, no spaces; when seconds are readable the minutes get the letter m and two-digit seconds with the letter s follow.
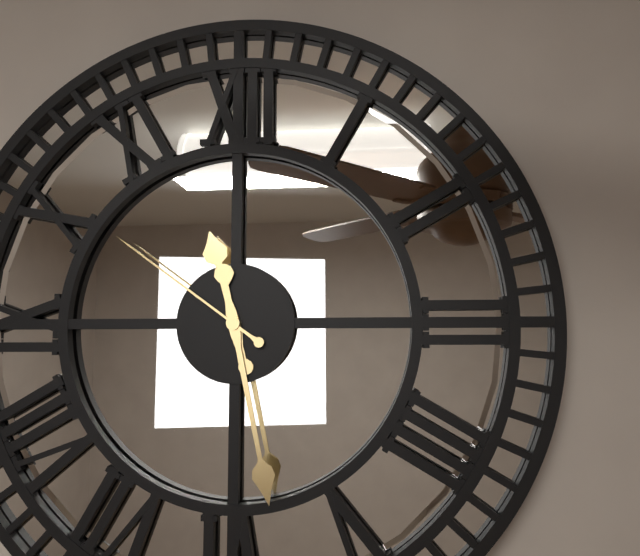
11h28m51s
